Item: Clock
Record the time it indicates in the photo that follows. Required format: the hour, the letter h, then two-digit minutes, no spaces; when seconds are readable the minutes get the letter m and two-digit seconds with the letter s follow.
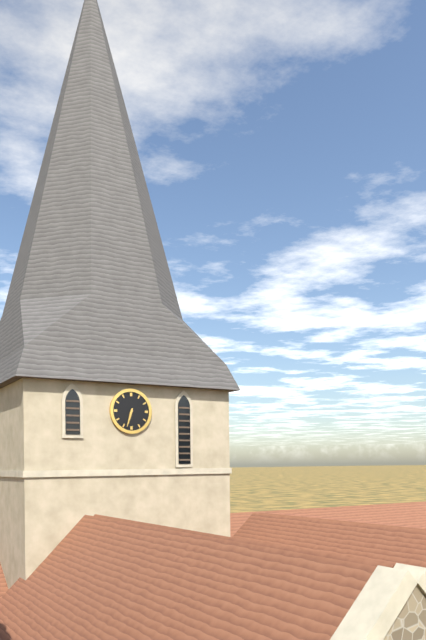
6h33
